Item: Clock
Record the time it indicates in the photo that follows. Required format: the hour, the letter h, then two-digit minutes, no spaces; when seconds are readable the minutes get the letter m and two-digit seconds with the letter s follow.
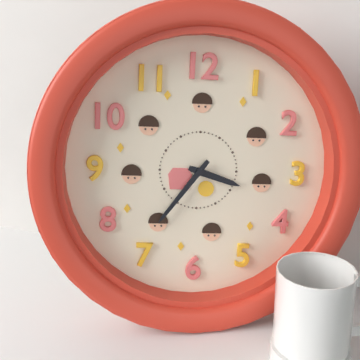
3h36
